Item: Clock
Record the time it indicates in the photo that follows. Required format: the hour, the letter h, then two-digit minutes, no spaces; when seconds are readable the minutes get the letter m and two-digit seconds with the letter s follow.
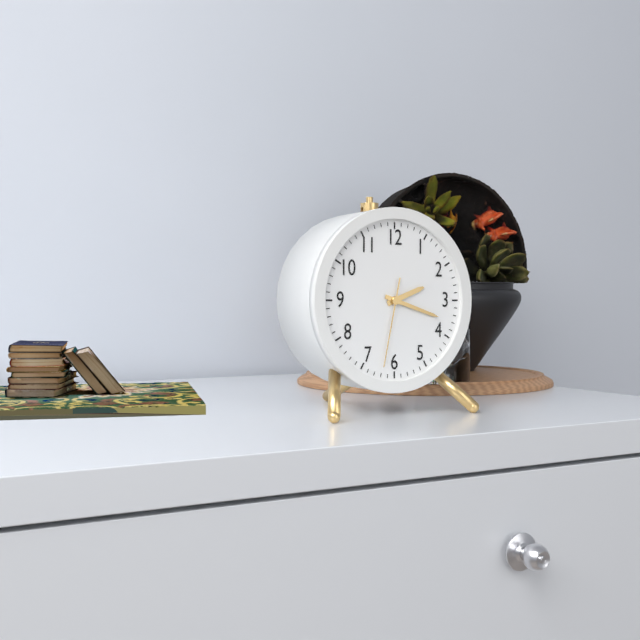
2h18m32s
